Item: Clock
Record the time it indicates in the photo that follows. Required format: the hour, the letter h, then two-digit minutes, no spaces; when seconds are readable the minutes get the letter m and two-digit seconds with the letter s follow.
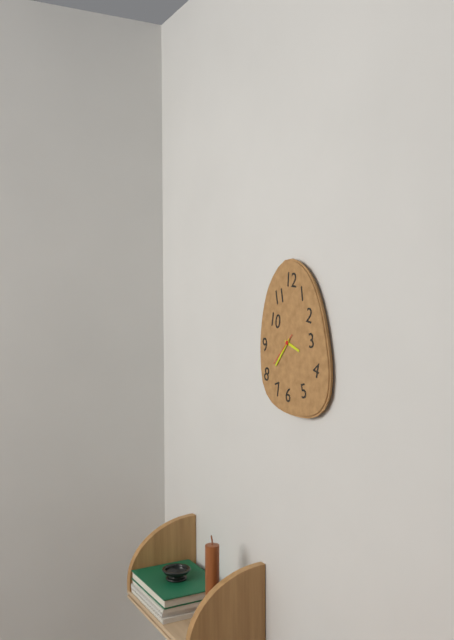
3h37
